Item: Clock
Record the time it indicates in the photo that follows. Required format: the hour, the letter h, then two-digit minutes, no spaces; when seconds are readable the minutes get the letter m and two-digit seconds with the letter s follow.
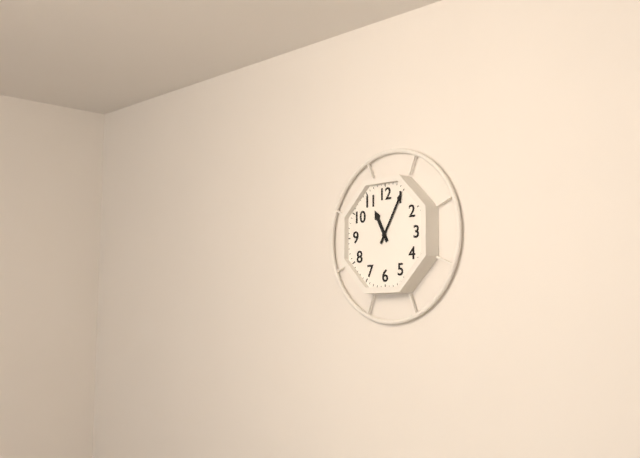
11h05
